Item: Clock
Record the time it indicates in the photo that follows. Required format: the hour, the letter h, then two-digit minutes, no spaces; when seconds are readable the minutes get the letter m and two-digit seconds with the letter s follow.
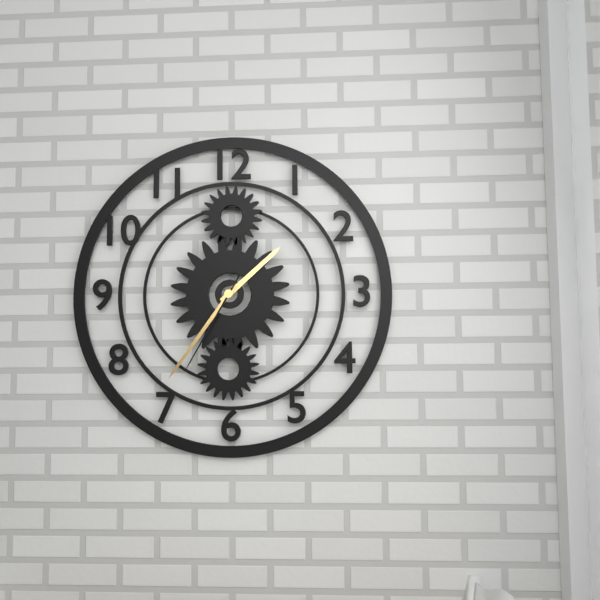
1h36m35s
